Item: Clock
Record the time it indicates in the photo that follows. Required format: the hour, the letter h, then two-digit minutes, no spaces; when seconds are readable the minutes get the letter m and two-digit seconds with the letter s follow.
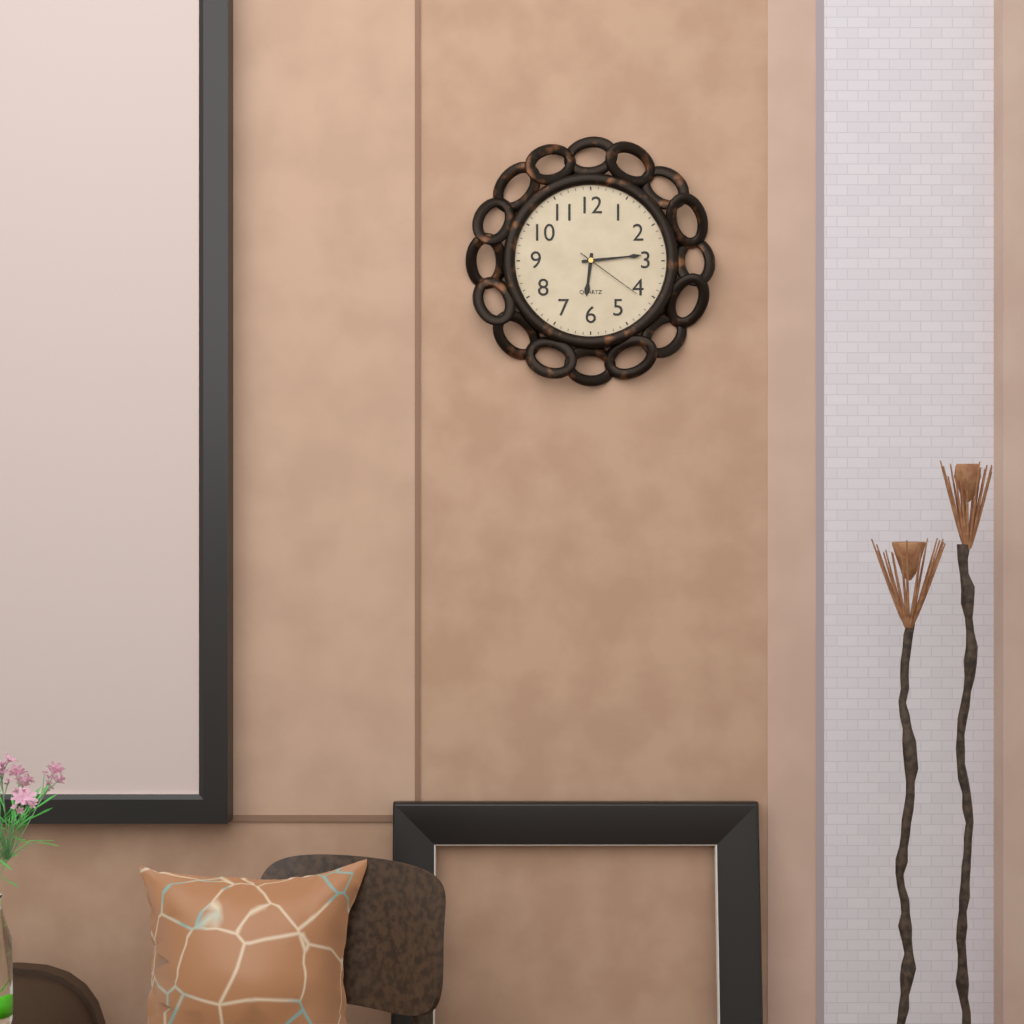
6h14m21s
